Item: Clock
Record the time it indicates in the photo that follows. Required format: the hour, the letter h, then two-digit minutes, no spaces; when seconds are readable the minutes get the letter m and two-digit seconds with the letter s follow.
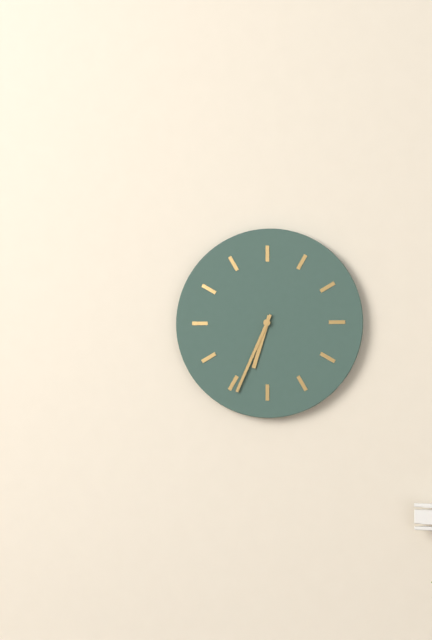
6h34
